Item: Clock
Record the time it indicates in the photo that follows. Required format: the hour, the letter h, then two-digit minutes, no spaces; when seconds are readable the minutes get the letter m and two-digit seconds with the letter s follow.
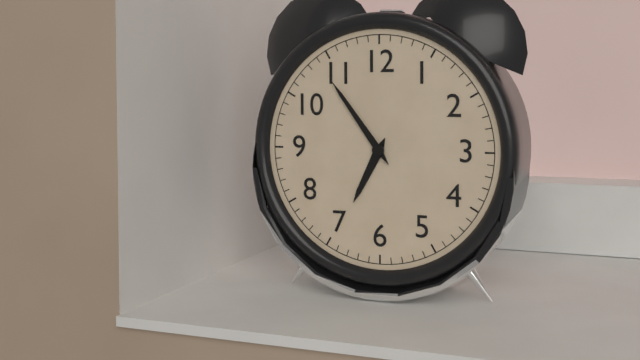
6h54
